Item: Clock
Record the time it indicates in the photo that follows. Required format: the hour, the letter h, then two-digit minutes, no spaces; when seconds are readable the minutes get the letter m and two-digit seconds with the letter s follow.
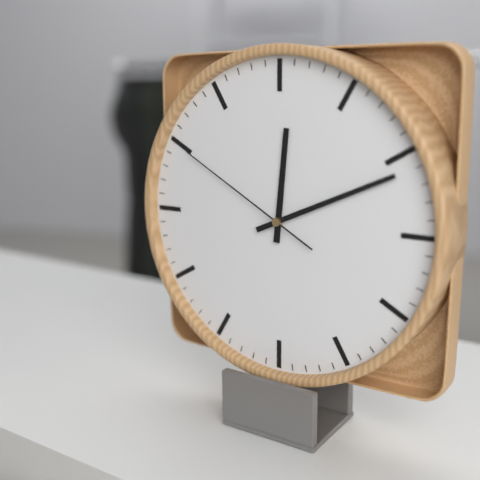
12h11m50s
